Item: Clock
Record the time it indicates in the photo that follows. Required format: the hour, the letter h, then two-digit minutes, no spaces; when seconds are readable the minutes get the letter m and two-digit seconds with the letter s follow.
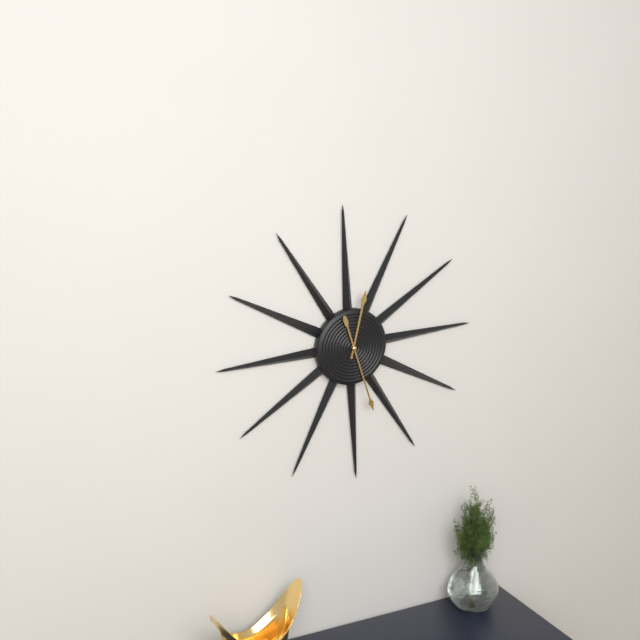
12h27
